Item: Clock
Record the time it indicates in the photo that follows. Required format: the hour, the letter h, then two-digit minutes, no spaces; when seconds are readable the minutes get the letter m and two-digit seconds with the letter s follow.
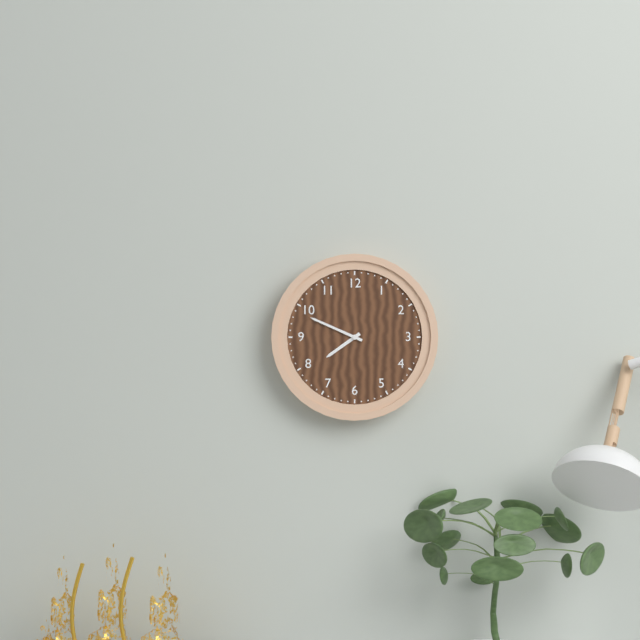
7h49
